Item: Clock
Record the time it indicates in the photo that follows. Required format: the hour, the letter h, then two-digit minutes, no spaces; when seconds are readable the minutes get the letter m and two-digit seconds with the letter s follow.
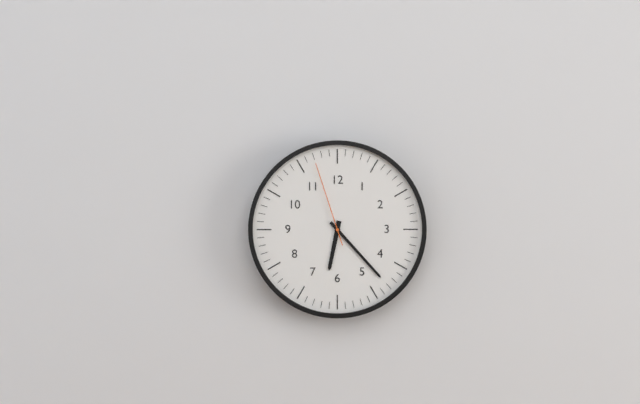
6h23m57s
